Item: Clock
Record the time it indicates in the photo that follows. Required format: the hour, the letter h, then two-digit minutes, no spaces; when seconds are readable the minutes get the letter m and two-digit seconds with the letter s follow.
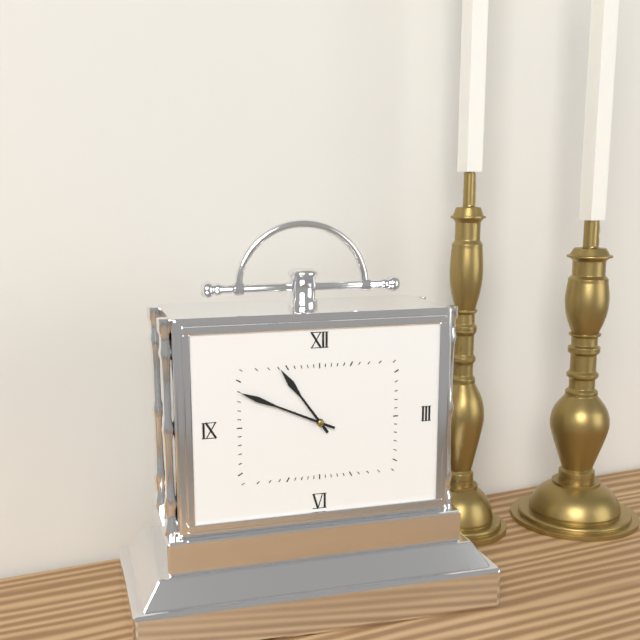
10h49
